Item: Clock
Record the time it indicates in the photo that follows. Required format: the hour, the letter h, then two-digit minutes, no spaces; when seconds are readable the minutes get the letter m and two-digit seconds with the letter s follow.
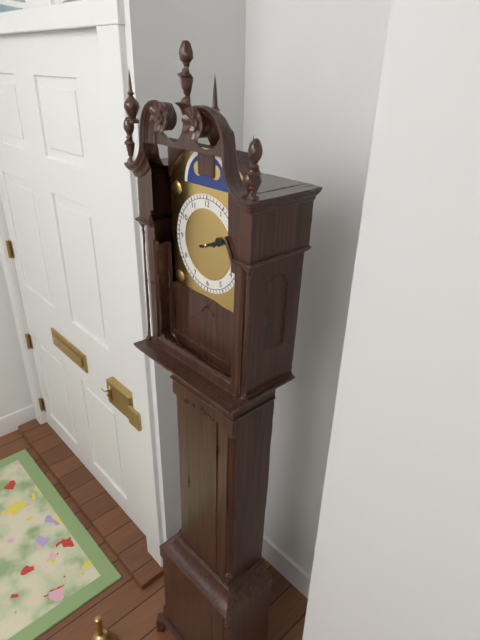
2h12
